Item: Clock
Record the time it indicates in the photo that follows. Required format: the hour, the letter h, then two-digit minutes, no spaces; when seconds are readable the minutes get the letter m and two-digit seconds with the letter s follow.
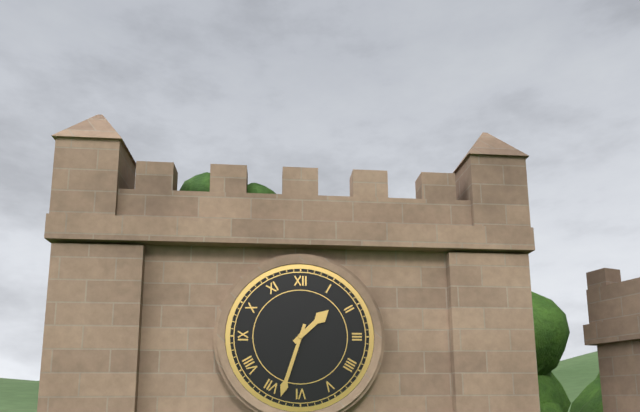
1h33
